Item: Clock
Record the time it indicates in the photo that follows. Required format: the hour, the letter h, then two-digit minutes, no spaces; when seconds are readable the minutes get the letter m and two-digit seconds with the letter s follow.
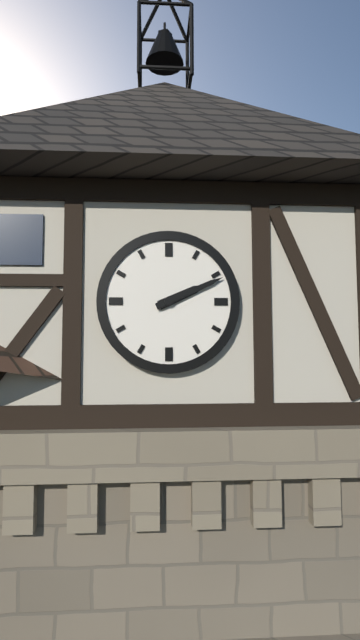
2h11
